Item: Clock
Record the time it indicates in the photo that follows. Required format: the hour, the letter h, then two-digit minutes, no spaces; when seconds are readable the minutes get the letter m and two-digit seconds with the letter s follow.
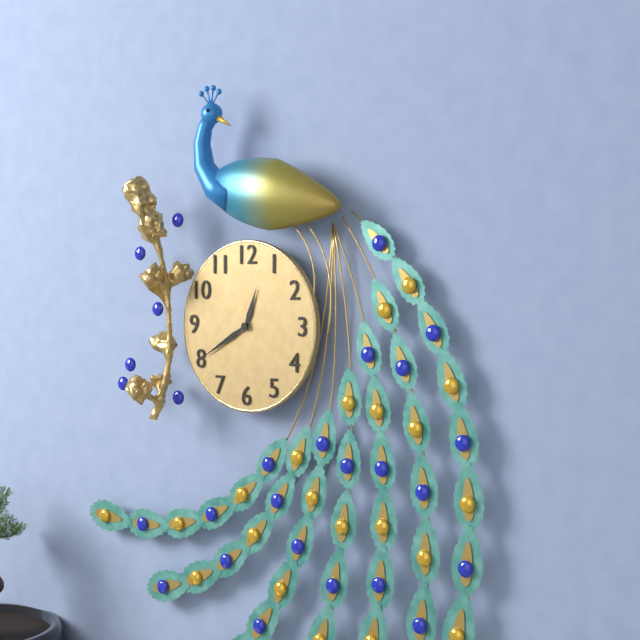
12h40
